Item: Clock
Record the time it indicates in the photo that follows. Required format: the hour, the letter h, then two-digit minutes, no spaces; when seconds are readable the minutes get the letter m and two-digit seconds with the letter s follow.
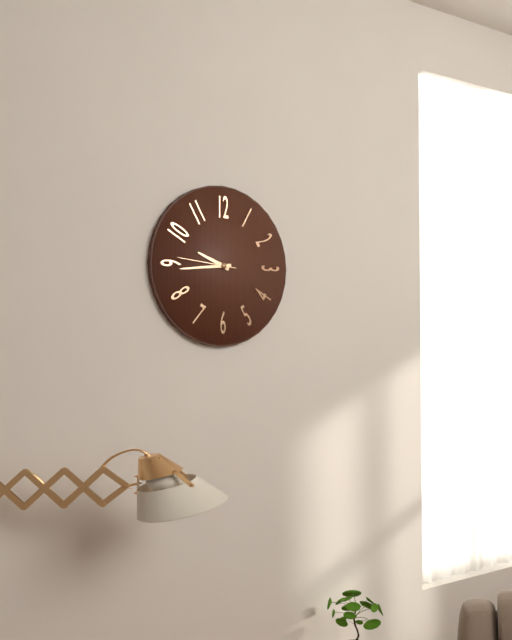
9h44m46s
